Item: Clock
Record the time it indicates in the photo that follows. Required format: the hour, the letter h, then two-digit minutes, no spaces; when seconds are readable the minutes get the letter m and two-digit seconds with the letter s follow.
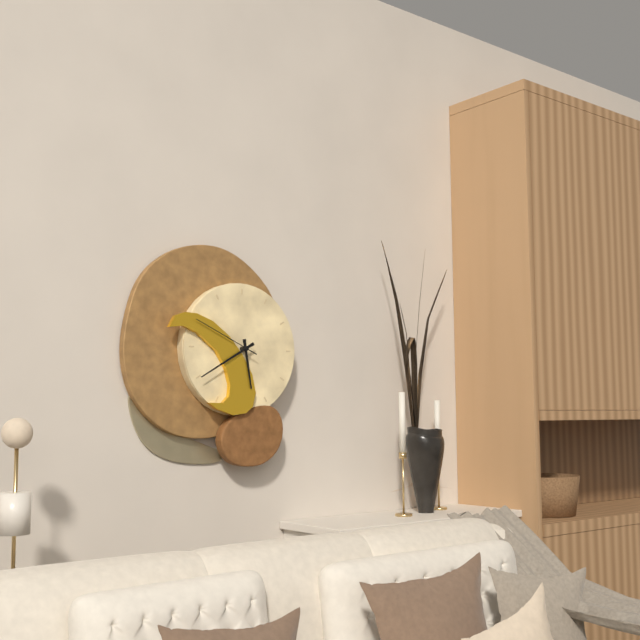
5h40m49s
